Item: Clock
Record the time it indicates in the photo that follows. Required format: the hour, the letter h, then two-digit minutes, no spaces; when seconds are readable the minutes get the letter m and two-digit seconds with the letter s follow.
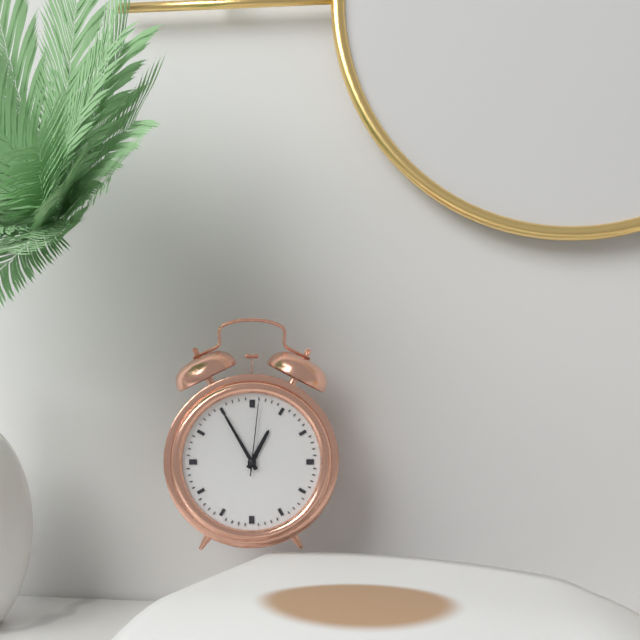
12h55m01s
